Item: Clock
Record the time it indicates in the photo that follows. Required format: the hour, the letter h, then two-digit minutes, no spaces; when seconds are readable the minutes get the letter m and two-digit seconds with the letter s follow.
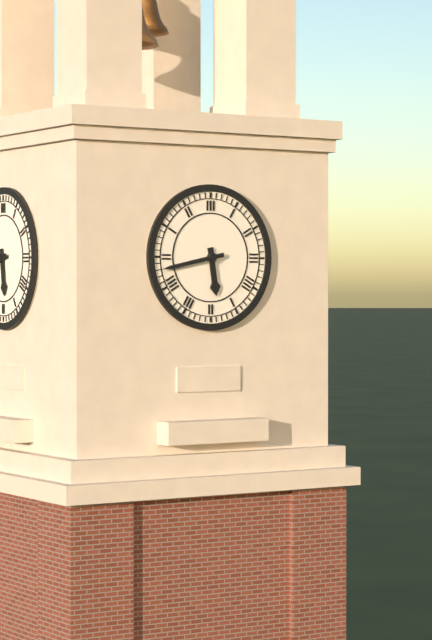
5h43
